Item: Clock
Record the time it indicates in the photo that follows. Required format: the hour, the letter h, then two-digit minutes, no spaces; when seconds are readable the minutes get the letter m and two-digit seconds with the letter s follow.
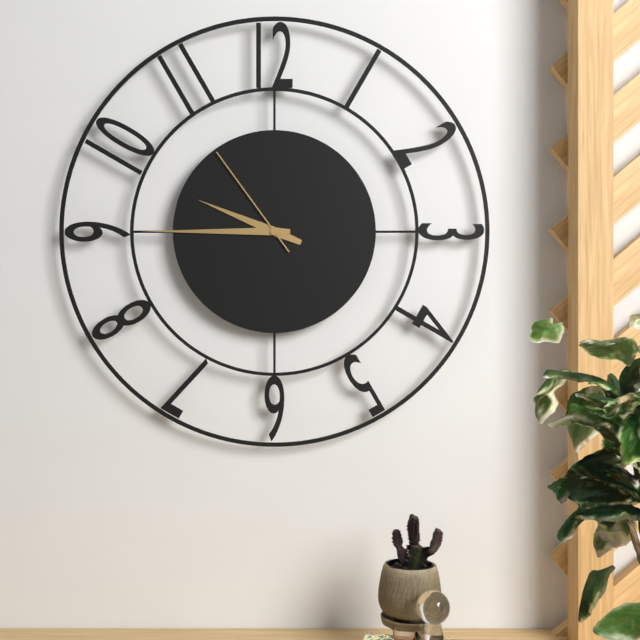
9h45m54s
